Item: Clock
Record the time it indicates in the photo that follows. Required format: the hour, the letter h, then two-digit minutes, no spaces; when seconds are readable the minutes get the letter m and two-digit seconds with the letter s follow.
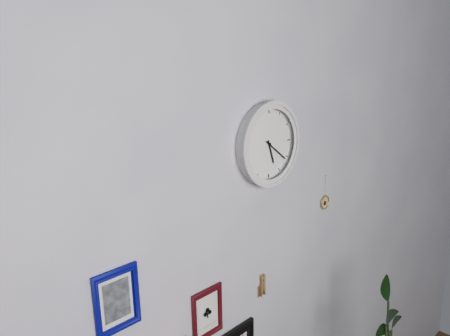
5h21
